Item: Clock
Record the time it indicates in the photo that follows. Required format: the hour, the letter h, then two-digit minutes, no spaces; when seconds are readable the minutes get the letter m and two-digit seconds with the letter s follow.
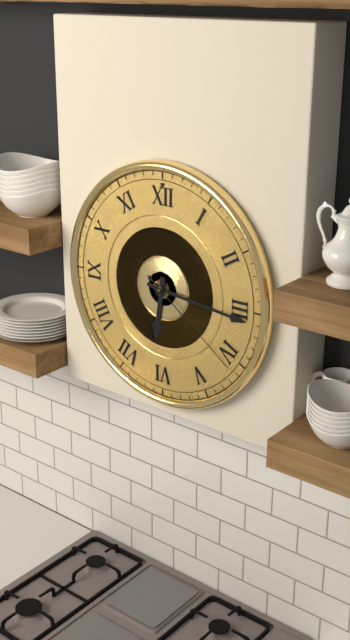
6h16m21s
